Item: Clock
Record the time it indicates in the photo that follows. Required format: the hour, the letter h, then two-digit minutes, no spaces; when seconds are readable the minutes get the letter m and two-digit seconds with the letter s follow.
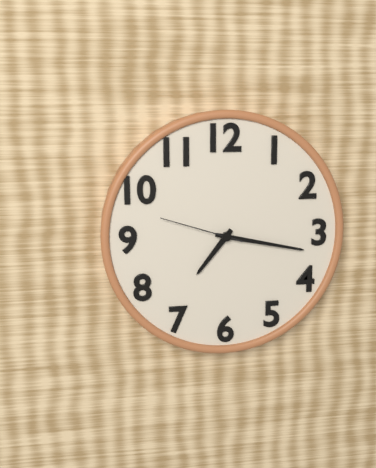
7h17m48s
